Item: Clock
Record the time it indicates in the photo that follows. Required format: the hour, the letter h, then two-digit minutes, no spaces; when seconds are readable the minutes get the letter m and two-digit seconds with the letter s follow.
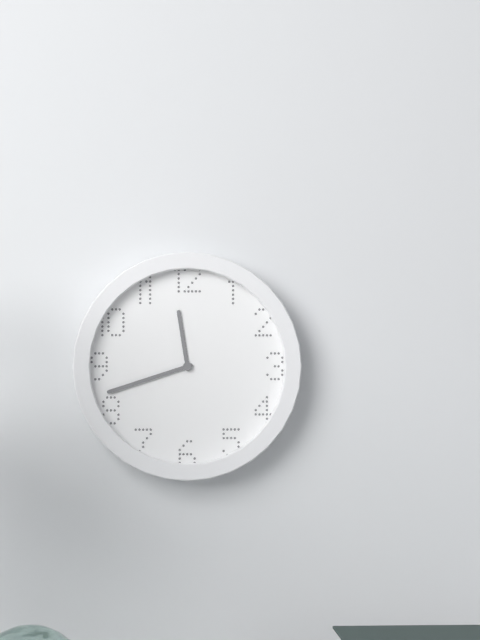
11h42
